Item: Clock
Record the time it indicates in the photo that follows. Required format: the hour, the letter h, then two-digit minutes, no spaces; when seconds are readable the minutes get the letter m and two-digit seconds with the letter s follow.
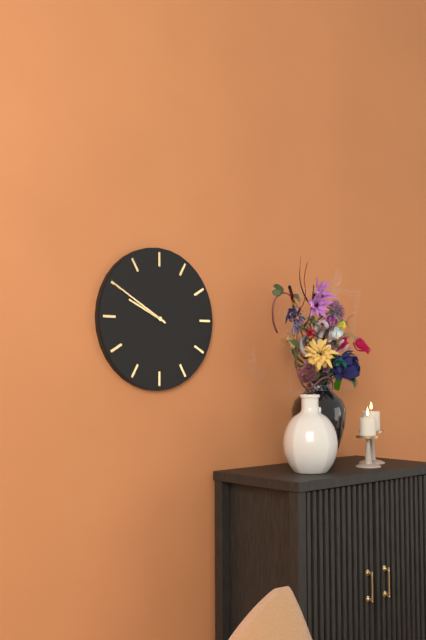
9h50
